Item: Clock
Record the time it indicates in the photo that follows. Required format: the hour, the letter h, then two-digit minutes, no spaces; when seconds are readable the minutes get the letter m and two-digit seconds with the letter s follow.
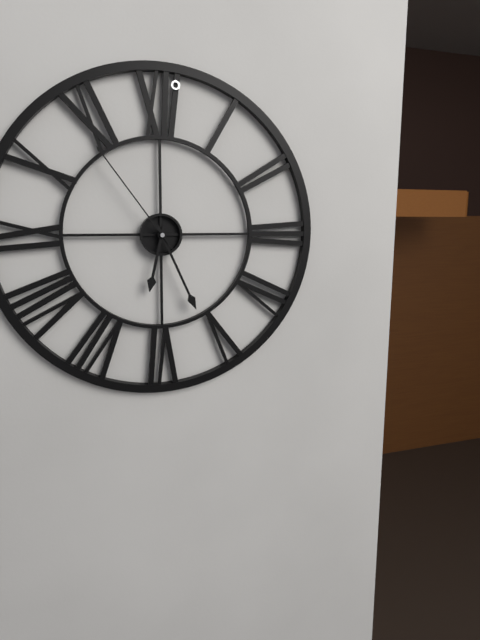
6h26m54s
